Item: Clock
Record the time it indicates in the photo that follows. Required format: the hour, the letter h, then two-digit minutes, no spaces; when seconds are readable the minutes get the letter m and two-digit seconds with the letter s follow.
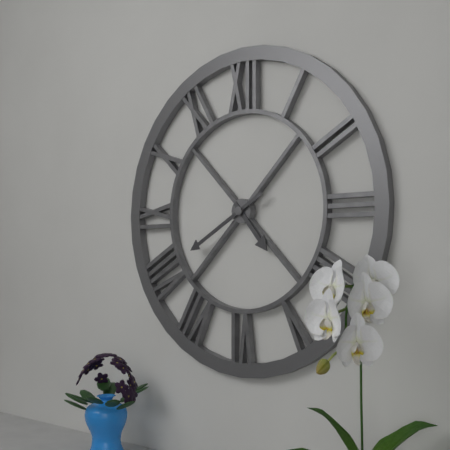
4h40
